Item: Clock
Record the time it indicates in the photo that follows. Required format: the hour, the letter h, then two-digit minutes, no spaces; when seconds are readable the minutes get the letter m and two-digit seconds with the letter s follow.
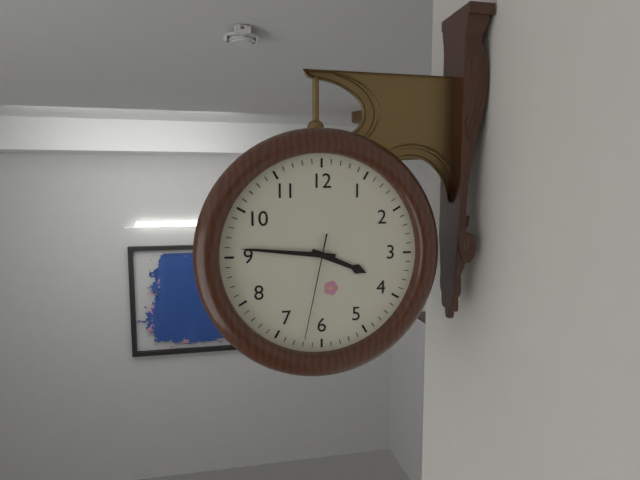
3h46m32s
